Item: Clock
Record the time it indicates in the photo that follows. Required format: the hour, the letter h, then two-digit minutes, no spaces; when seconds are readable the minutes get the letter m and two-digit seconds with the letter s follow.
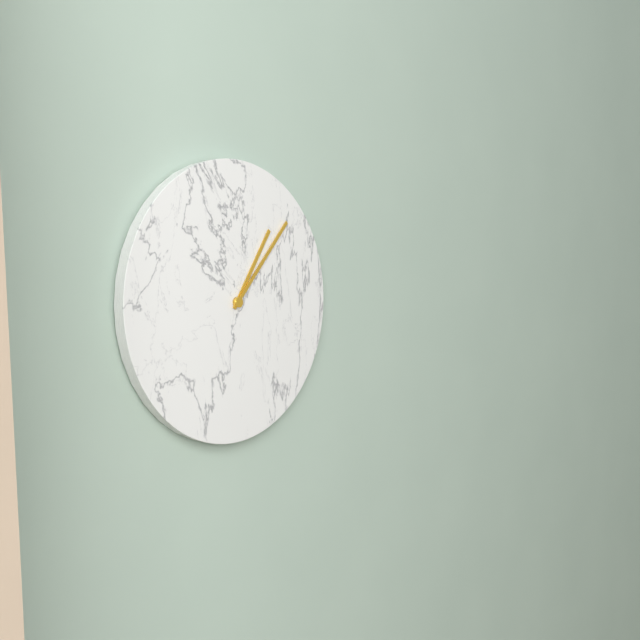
1h07
